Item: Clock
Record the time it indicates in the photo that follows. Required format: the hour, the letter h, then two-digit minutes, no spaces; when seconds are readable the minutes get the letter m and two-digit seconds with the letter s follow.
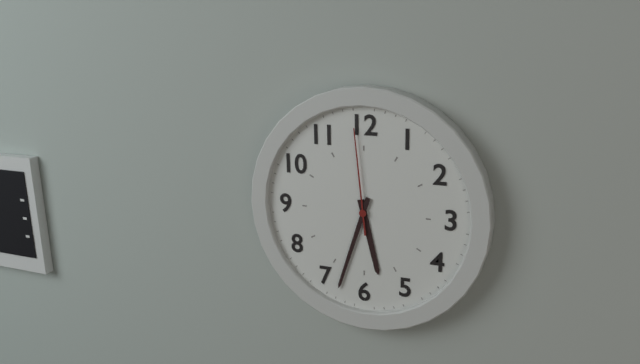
5h33m59s
